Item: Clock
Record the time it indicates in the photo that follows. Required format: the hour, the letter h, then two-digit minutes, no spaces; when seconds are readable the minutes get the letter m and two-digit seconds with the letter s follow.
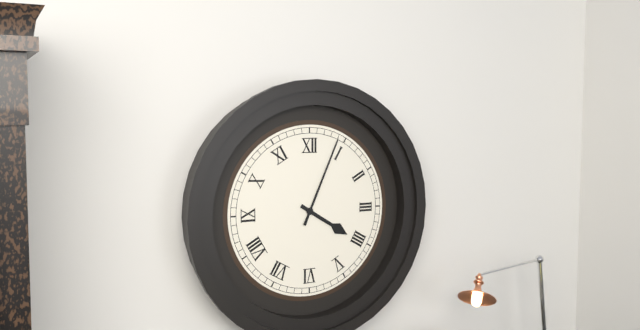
4h04
